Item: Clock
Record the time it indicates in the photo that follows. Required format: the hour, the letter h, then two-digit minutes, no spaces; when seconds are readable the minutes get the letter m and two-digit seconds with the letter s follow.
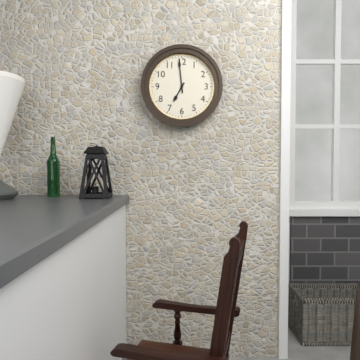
6h59
